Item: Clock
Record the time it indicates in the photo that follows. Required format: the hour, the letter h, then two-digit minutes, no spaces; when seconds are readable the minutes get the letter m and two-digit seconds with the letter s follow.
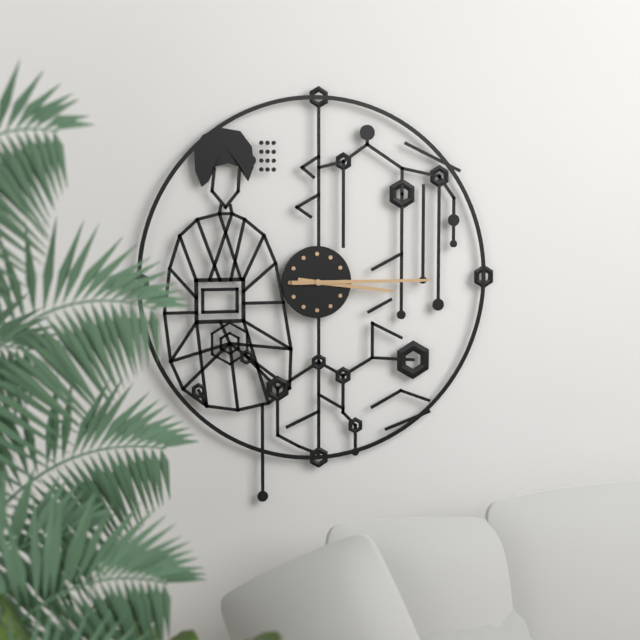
3h15
